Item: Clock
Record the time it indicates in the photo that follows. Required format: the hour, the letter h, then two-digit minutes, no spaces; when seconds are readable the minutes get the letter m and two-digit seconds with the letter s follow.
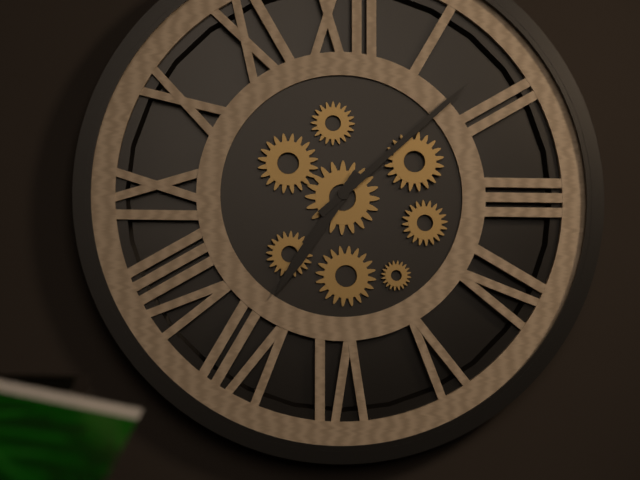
7h08
